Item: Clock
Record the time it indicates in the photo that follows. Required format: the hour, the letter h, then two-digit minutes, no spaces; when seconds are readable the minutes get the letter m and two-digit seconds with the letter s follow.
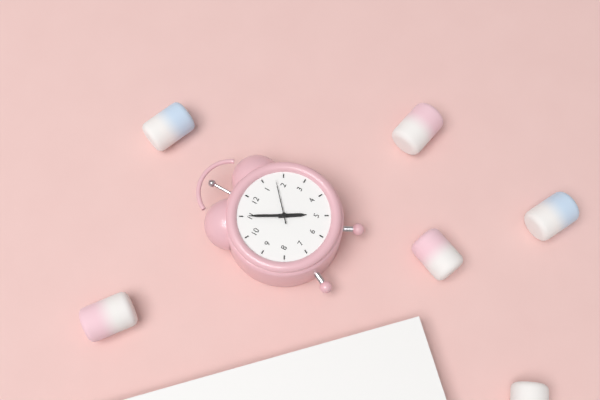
4h55
